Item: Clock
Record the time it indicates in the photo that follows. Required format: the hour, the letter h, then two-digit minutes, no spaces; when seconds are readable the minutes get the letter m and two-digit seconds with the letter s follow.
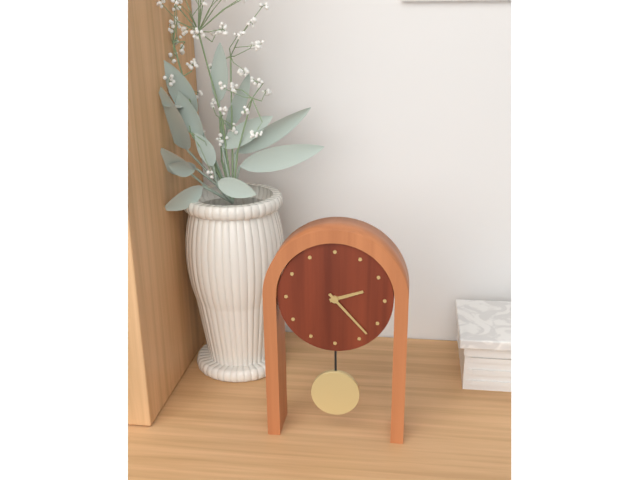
2h23
